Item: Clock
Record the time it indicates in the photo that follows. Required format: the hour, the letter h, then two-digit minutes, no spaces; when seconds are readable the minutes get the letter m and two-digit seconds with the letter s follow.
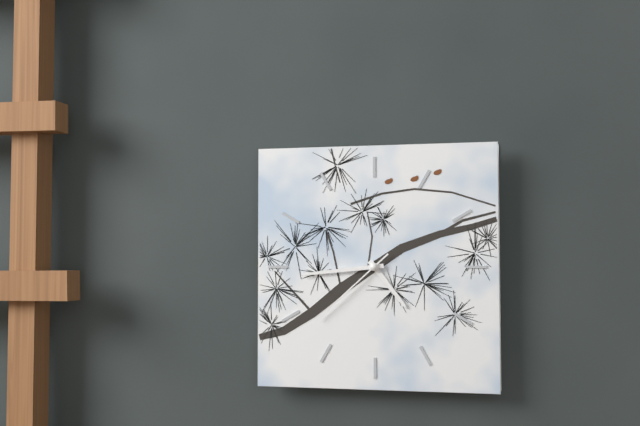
4h44m38s
